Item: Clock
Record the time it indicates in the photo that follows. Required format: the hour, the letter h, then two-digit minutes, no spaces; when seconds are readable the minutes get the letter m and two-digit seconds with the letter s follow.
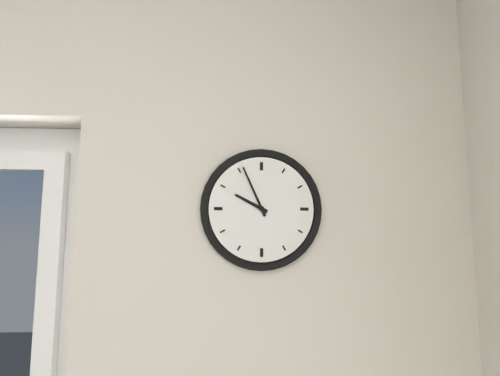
9h56
